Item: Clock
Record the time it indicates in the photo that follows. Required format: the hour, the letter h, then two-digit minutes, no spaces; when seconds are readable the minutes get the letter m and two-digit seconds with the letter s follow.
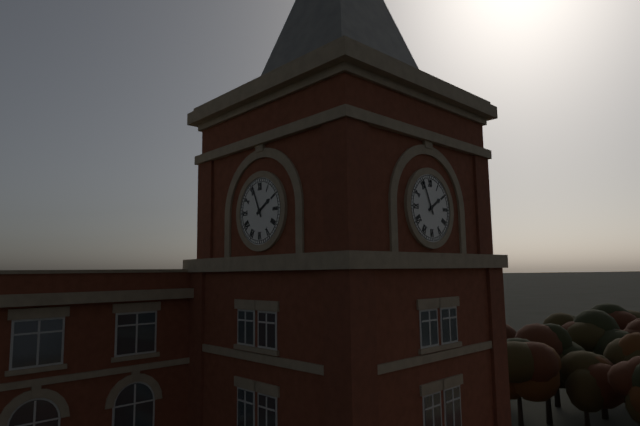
1h56
